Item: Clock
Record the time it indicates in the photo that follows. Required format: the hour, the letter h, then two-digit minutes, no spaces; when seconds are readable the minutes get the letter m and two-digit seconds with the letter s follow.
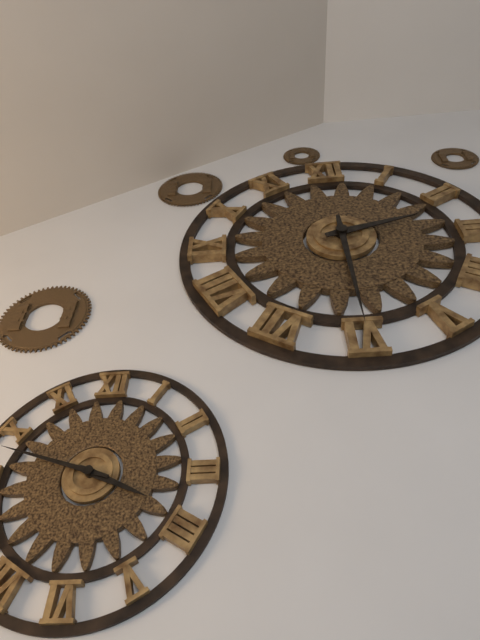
2h30
